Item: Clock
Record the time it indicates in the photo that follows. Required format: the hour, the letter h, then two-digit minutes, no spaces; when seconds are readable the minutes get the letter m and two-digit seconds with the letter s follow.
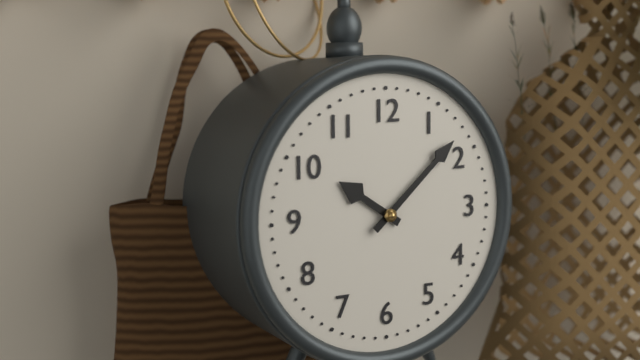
10h08
